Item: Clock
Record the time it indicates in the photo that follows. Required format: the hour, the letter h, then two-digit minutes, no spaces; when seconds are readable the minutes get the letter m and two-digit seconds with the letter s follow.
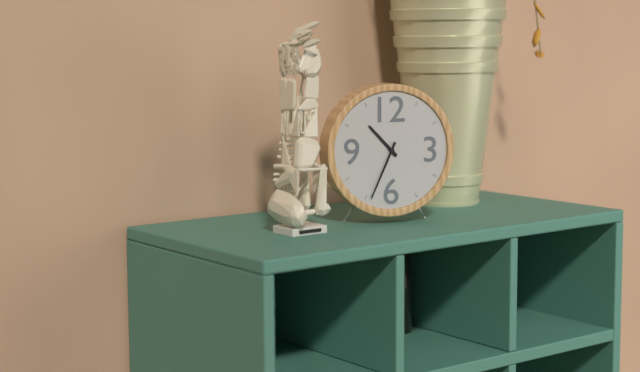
10h34
